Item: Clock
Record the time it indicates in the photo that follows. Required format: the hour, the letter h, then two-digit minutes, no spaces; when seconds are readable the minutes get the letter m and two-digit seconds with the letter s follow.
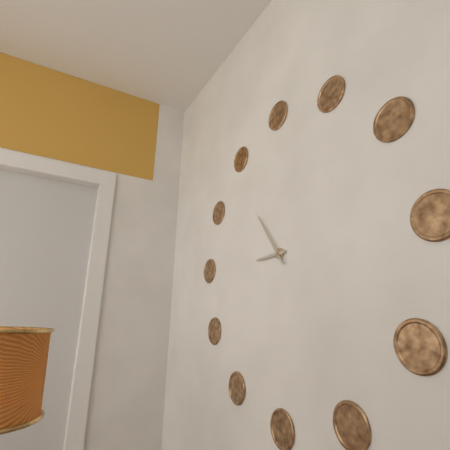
8h54
